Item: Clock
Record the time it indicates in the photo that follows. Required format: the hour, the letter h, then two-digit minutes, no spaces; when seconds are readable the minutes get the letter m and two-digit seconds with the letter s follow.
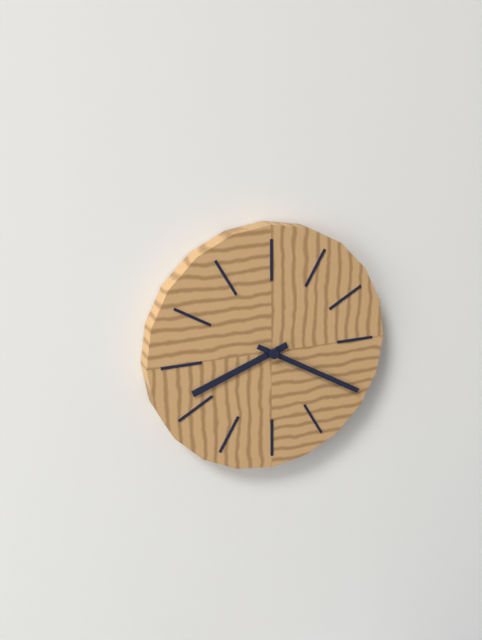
8h20
